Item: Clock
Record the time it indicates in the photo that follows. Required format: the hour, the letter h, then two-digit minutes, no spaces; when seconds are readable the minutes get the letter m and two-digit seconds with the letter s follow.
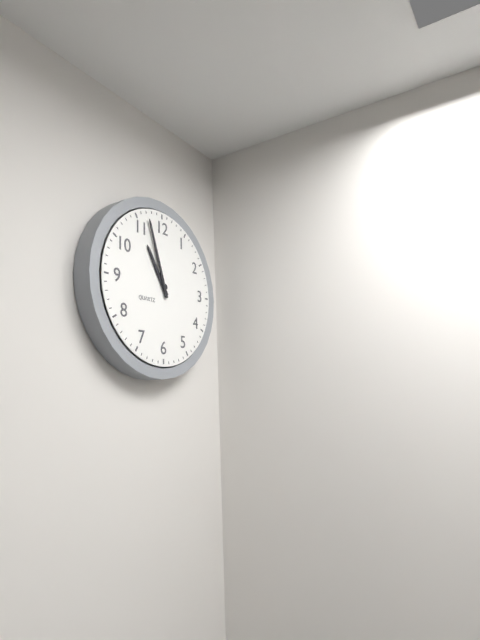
10h57
